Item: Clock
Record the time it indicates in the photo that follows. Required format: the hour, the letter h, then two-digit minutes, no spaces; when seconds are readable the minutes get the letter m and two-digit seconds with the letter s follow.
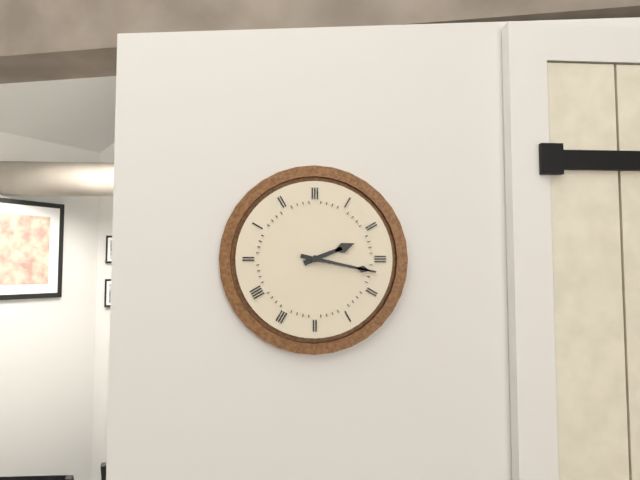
2h17
